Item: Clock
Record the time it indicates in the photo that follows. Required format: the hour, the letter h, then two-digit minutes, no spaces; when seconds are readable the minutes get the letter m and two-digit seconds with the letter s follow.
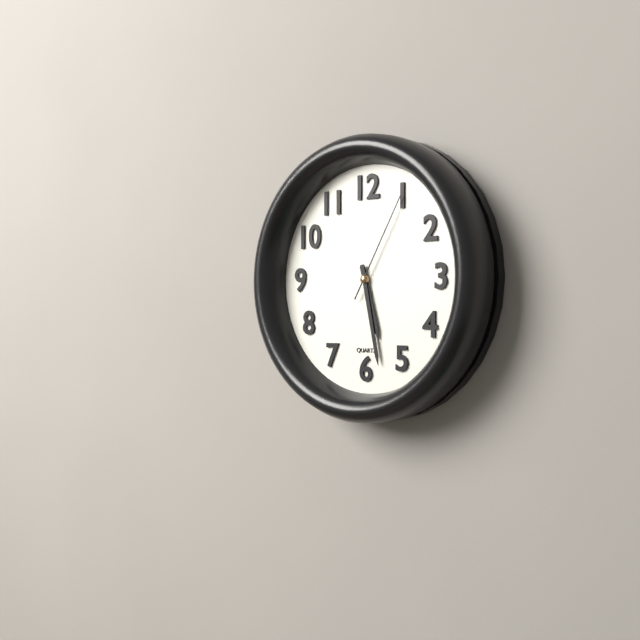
5h28m05s
